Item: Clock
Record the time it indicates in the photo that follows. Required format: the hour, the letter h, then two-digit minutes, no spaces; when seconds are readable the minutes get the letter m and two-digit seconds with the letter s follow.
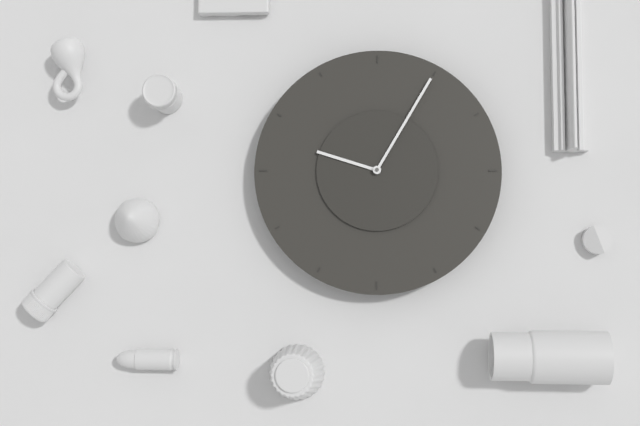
3h35
